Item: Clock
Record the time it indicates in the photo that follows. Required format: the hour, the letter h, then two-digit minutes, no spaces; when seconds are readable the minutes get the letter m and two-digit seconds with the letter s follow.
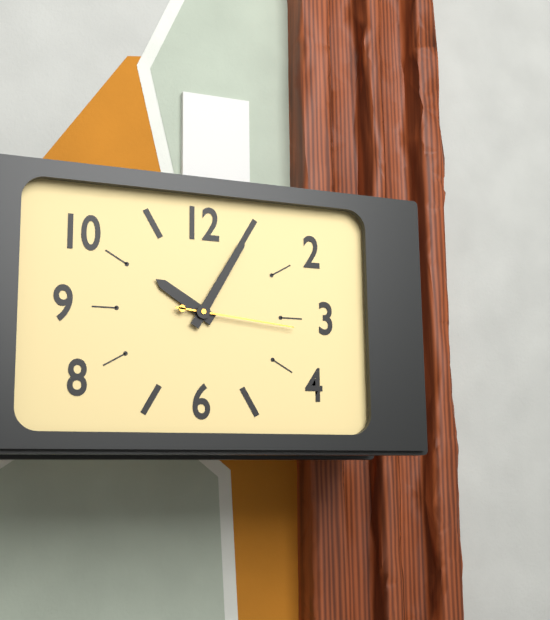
10h05m16s
